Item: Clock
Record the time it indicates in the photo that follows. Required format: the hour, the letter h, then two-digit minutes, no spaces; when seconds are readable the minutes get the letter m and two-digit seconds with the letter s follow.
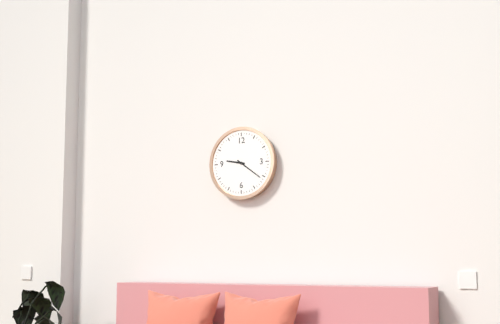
9h21
